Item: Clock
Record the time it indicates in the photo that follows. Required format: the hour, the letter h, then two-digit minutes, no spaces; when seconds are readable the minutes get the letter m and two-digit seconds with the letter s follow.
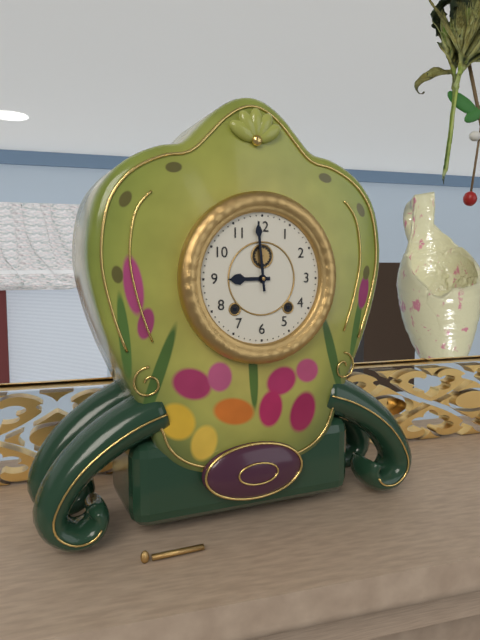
8h59
